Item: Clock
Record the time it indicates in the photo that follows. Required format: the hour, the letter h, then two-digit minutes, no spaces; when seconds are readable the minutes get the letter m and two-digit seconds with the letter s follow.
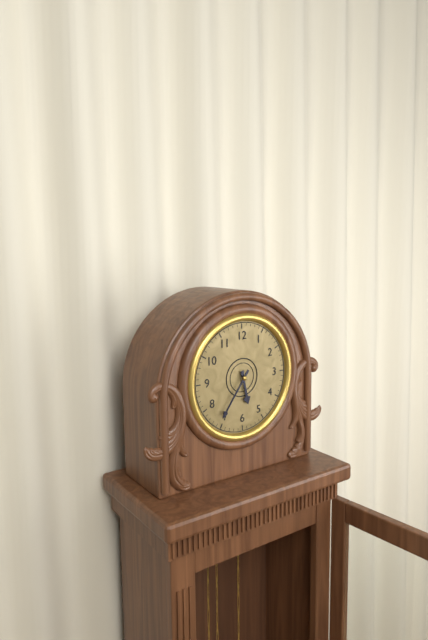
5h36
